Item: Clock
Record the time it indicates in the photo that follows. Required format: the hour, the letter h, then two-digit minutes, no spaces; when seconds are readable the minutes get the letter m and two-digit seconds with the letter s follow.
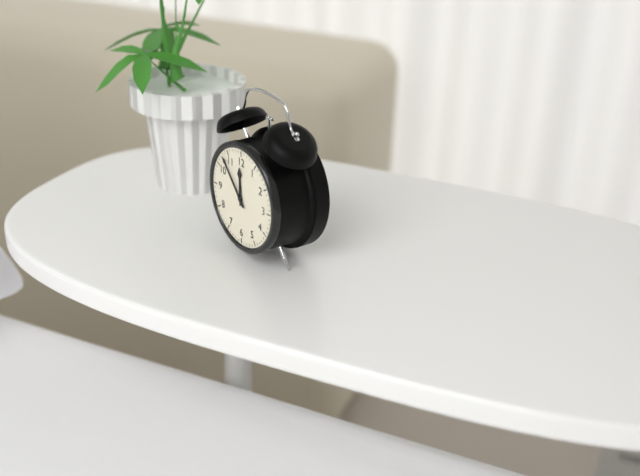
11h53
